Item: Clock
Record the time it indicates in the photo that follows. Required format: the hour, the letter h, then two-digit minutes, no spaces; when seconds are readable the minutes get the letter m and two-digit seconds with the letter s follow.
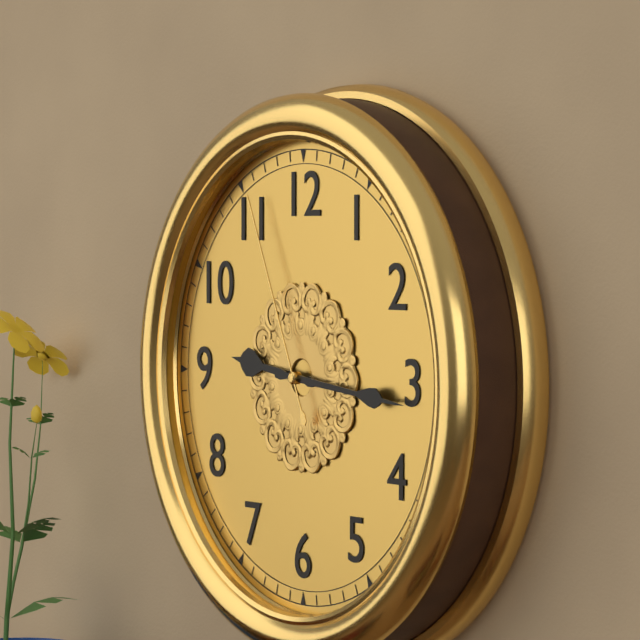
9h16m56s
